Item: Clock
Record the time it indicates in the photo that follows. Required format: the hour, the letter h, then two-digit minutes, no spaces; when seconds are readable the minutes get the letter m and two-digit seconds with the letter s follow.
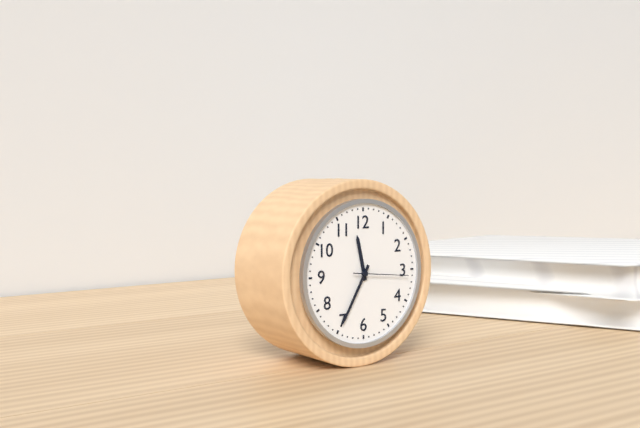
11h35m16s
